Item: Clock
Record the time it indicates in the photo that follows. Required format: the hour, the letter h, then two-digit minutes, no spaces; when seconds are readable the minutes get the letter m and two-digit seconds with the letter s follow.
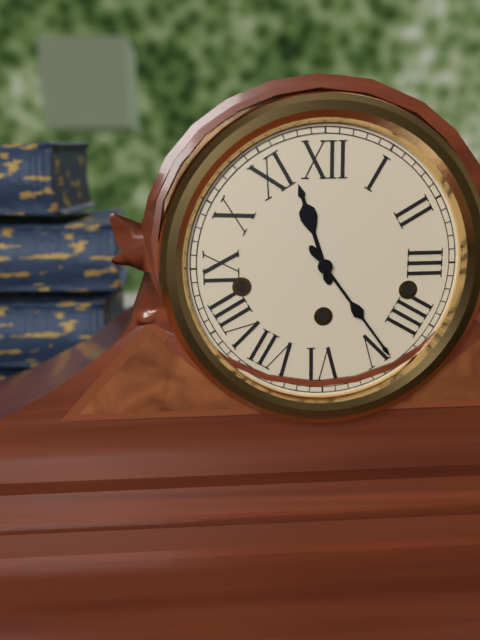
11h24
